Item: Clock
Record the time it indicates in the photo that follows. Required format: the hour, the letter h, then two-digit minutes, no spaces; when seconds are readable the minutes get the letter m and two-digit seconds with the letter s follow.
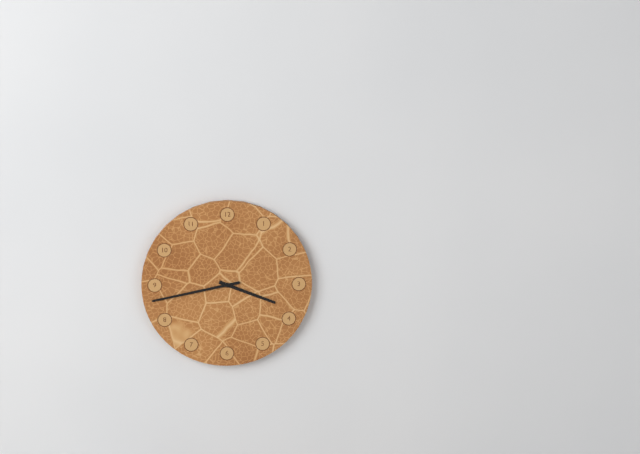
3h43
